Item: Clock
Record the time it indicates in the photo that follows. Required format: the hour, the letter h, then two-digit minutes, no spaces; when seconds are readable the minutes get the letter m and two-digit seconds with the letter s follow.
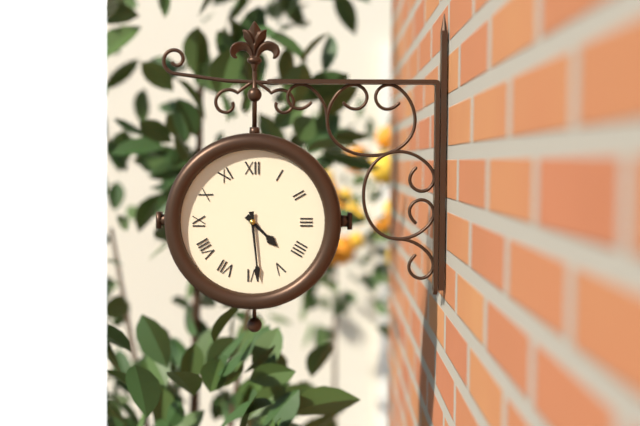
4h29
